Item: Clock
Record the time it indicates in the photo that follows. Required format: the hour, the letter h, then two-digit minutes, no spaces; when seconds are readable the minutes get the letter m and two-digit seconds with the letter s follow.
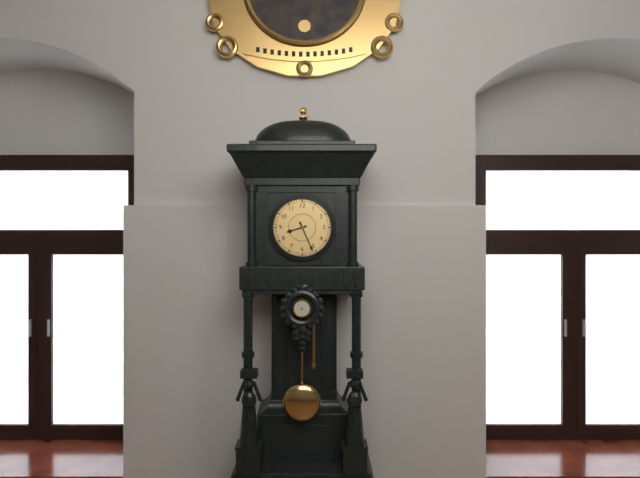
8h26
